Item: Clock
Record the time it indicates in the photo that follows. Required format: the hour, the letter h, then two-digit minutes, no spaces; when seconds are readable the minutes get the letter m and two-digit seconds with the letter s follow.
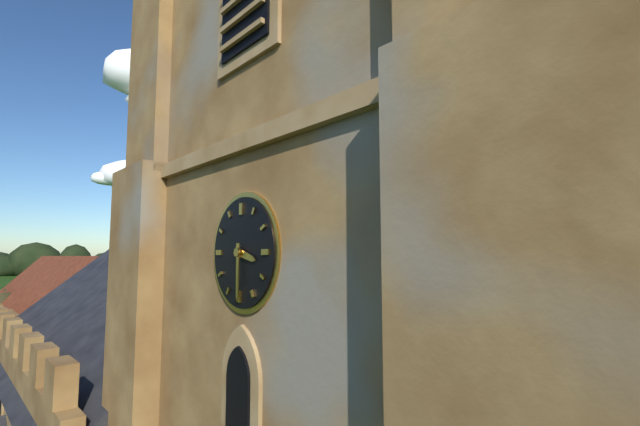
3h30
